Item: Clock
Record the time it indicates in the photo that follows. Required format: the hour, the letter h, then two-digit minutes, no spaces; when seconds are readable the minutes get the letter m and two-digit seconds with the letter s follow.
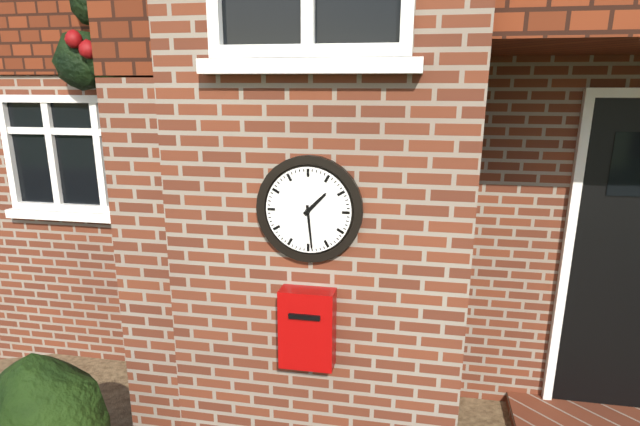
1h29
